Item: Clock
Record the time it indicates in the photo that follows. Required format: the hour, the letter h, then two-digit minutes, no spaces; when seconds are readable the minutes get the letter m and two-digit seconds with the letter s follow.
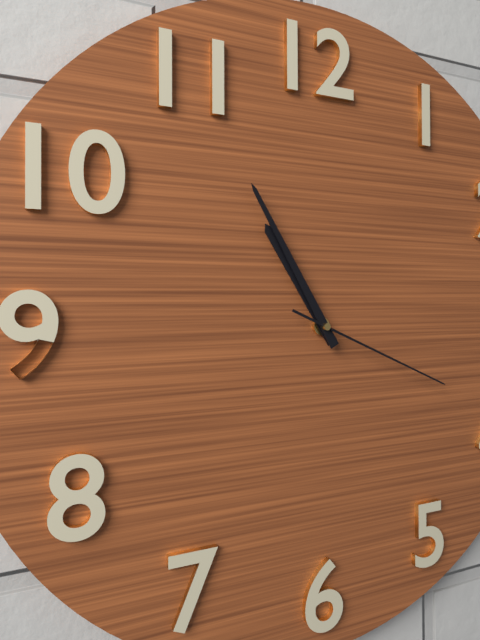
10h55m19s
